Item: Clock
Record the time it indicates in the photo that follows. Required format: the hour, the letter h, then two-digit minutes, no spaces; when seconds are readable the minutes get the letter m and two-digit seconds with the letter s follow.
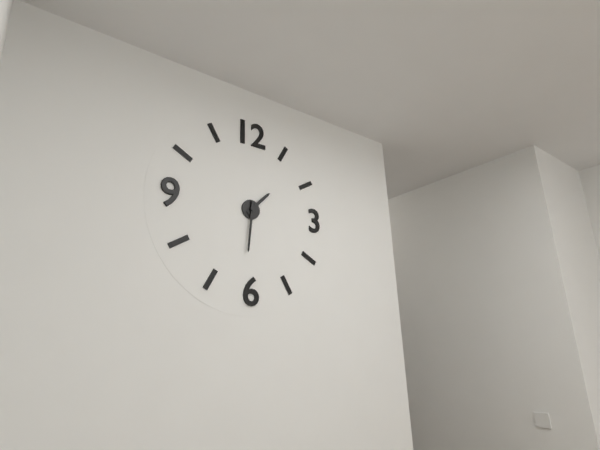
1h31
